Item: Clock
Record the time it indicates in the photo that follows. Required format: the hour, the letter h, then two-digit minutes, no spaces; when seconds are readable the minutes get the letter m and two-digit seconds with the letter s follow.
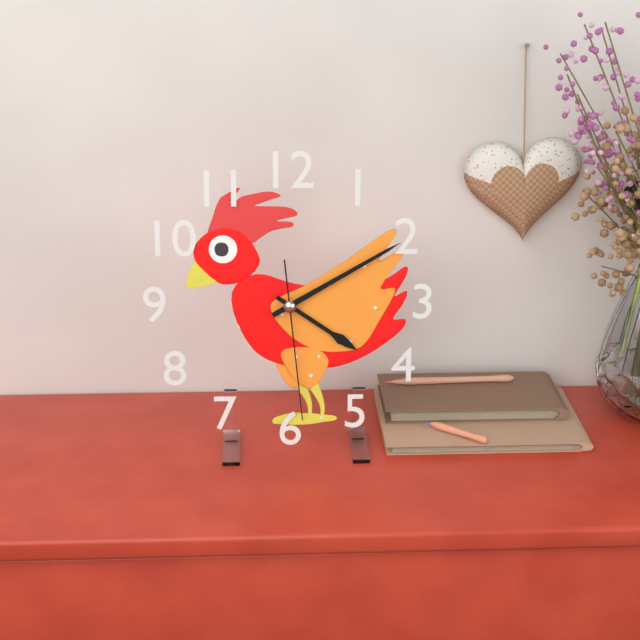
4h10m29s
